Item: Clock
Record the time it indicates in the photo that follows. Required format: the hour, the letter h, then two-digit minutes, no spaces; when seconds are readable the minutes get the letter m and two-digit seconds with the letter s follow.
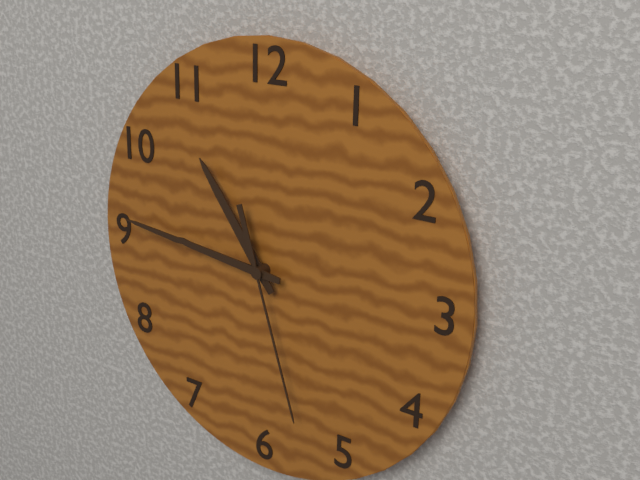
10h46m27s
